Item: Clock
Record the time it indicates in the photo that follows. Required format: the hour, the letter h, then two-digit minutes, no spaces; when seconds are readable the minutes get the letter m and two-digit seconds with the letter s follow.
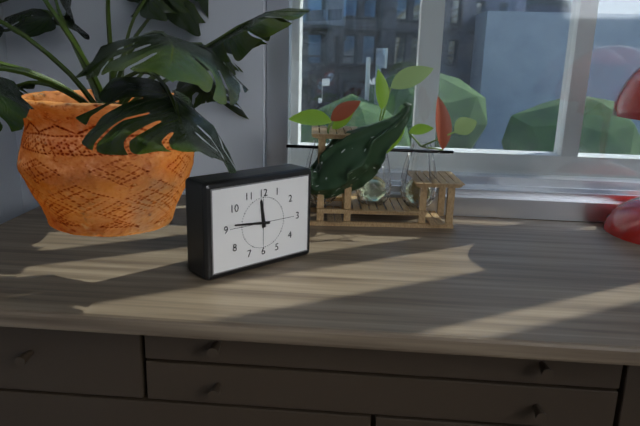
11h46
